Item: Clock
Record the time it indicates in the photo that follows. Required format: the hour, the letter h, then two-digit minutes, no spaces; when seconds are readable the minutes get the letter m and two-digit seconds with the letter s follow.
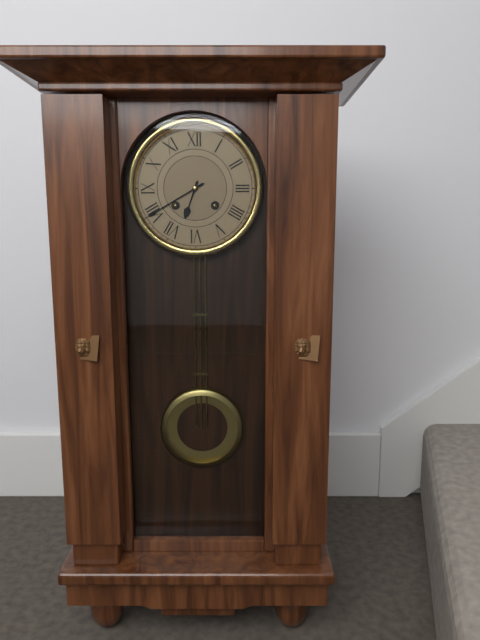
6h40
